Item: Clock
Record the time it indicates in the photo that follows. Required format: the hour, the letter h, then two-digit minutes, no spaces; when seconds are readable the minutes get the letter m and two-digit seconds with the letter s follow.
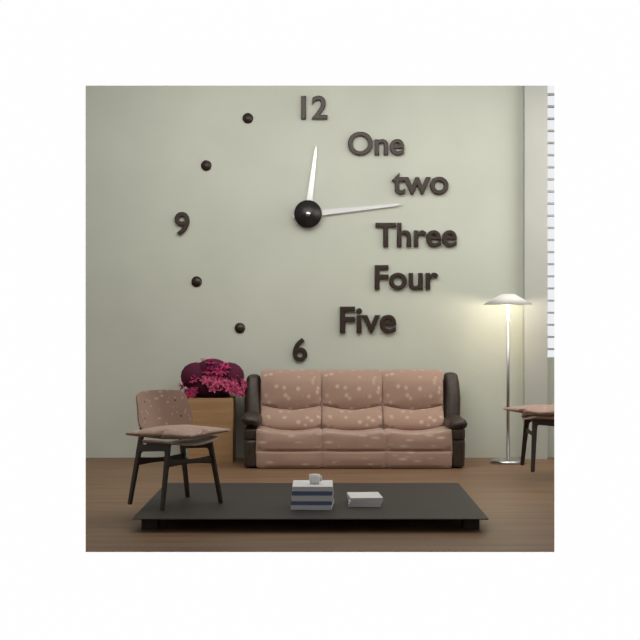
12h14
